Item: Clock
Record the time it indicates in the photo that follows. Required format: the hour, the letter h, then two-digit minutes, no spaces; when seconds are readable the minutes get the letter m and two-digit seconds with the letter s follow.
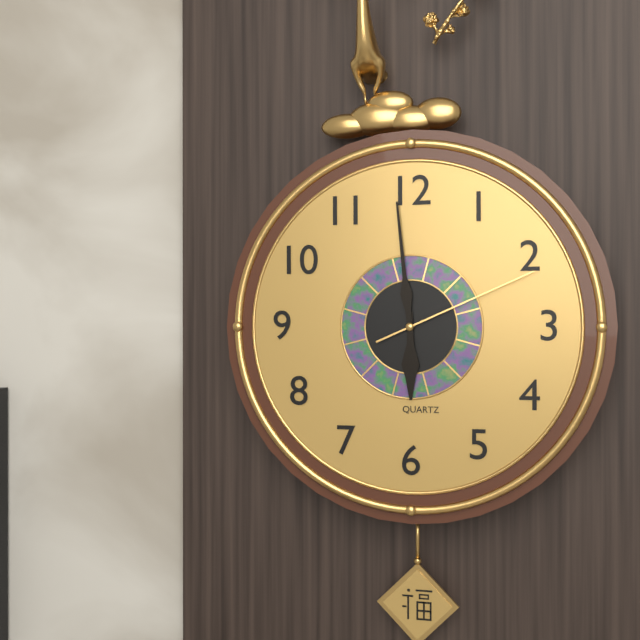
5h59m11s
